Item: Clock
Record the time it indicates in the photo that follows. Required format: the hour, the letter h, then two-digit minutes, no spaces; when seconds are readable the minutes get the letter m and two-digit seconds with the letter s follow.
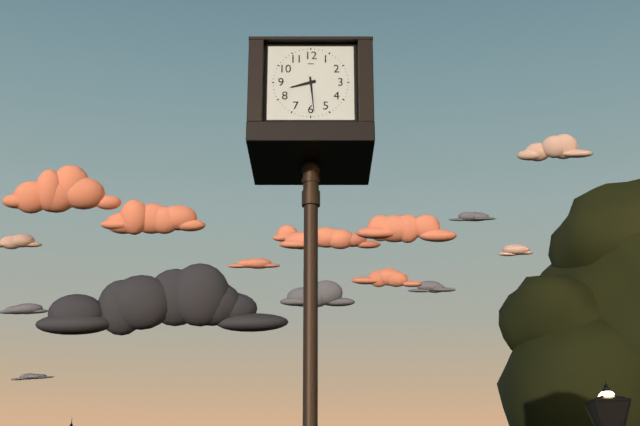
8h29
